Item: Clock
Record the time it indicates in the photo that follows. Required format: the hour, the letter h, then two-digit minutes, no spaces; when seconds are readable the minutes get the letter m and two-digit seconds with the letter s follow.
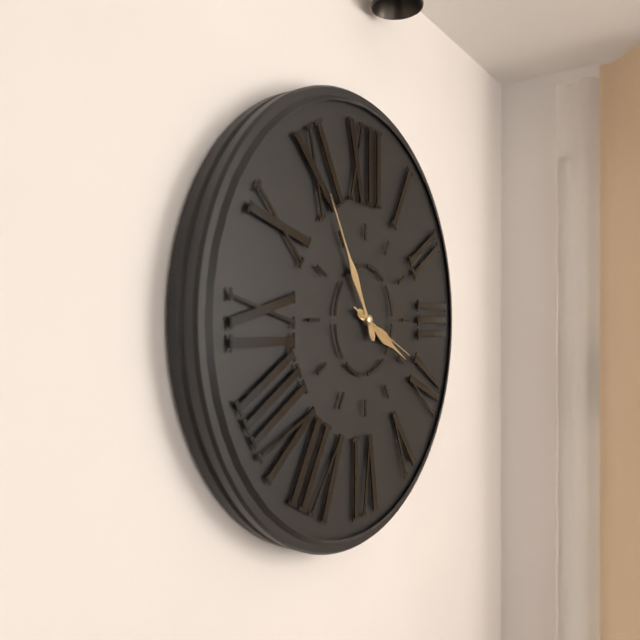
3h55m19s
